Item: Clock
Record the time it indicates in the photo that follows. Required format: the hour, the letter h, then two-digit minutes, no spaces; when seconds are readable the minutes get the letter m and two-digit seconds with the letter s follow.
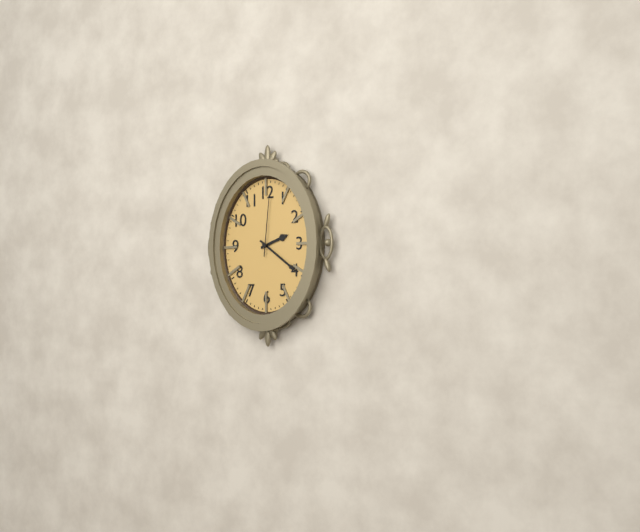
2h21m01s
